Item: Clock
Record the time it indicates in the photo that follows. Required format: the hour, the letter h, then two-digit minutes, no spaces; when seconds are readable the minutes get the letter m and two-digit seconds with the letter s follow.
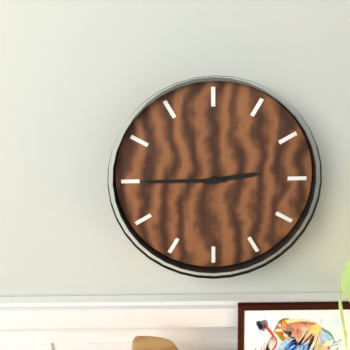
2h45
